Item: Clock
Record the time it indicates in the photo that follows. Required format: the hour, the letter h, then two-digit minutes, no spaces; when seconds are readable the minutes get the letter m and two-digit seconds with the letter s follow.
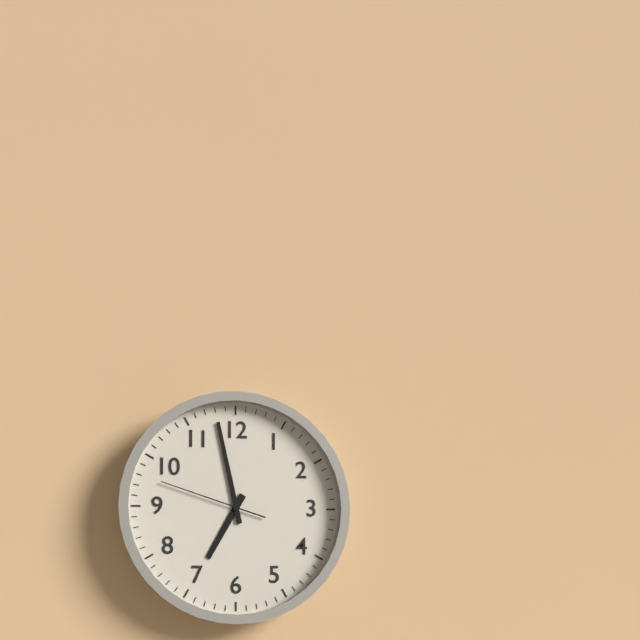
6h58m48s
